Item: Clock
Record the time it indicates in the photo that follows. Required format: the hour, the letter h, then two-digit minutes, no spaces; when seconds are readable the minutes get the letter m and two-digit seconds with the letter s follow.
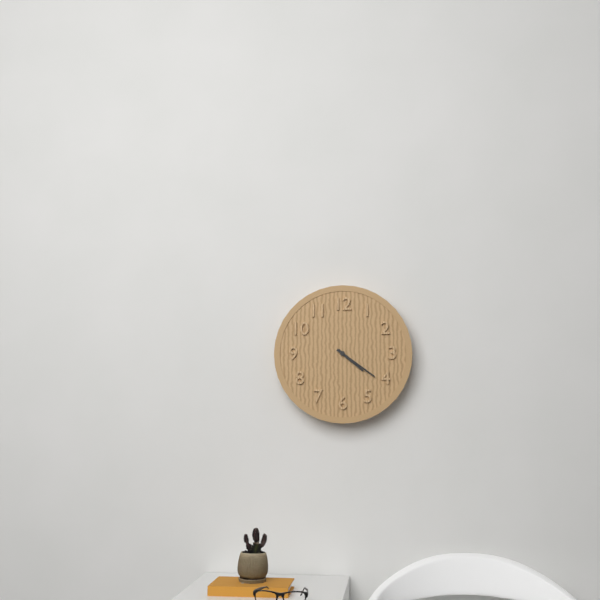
4h21
